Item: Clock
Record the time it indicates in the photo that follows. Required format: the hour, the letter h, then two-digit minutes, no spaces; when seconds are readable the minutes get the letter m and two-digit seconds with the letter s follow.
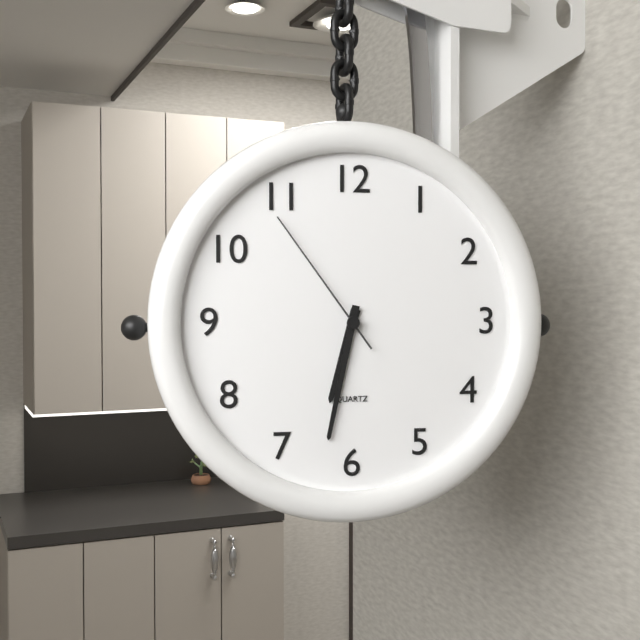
6h32m54s
